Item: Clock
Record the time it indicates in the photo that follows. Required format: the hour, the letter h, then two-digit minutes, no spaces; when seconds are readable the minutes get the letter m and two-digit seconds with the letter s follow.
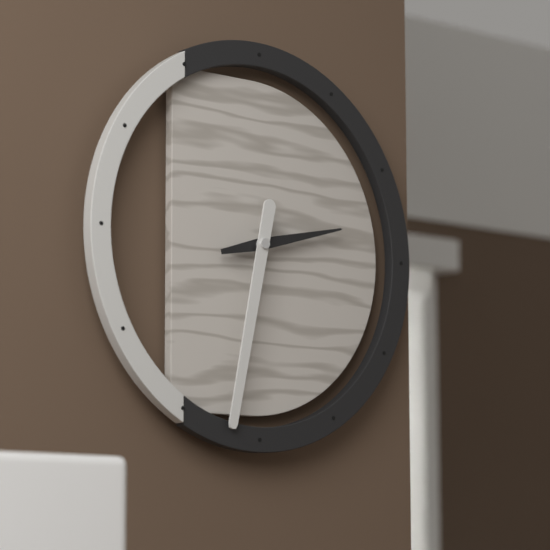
2h32
